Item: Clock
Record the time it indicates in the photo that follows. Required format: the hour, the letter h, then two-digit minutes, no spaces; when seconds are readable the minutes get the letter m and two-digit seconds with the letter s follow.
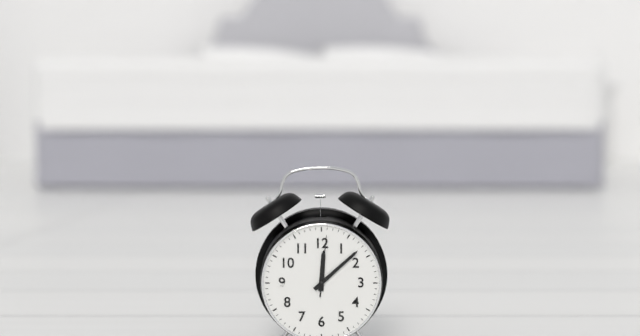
12h08m01s
